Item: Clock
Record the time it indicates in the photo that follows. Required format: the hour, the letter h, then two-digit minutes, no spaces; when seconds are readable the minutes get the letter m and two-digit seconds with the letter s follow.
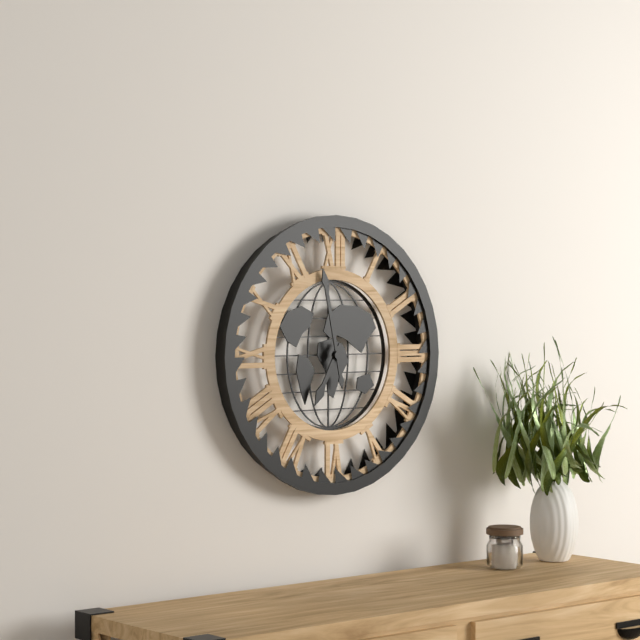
6h58
